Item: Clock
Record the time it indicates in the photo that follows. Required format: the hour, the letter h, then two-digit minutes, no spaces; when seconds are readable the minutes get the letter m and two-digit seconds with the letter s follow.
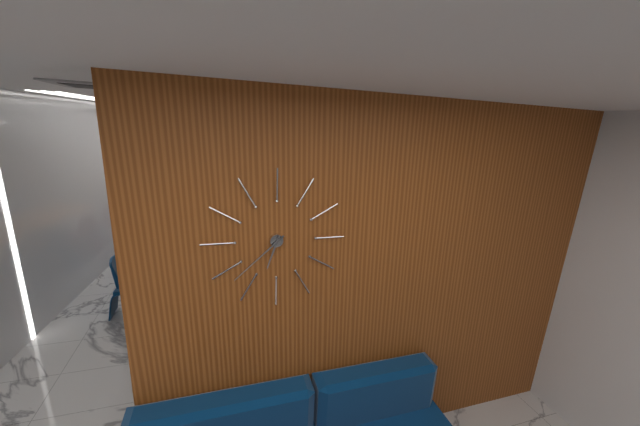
6h38
